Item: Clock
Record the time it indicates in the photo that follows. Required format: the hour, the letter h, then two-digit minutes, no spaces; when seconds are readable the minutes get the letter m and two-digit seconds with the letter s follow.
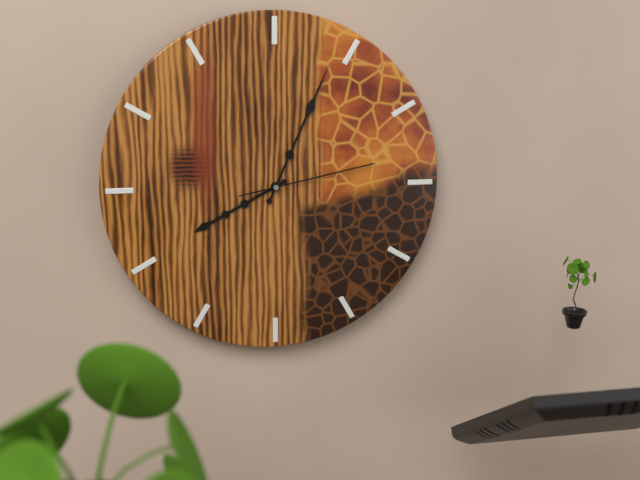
8h04m13s
